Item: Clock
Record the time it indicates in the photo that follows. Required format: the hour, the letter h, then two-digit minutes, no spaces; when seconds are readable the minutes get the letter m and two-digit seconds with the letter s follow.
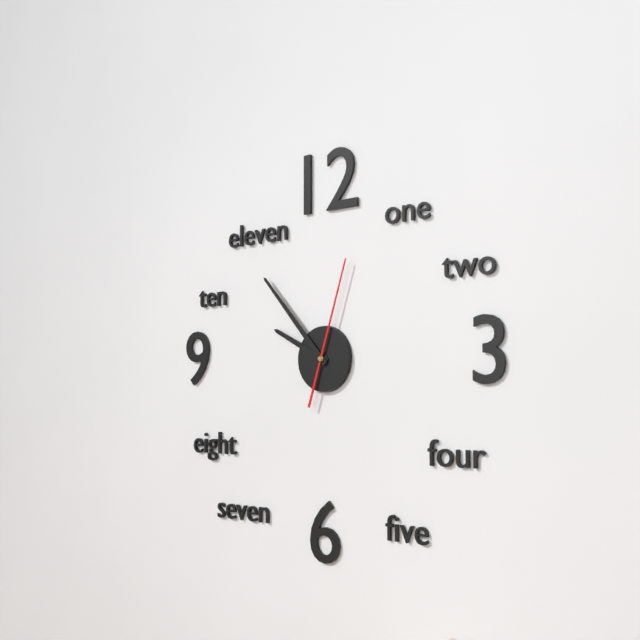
9h53m03s
